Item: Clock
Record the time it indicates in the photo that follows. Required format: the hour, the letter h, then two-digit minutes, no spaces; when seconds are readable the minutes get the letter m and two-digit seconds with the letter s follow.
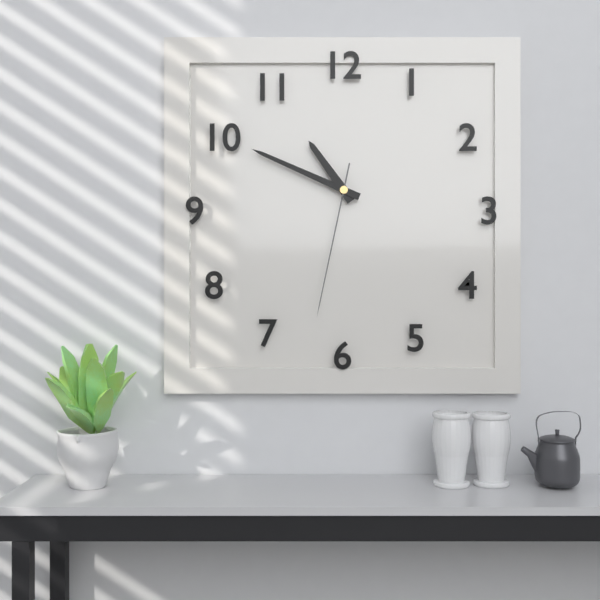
10h49m32s
